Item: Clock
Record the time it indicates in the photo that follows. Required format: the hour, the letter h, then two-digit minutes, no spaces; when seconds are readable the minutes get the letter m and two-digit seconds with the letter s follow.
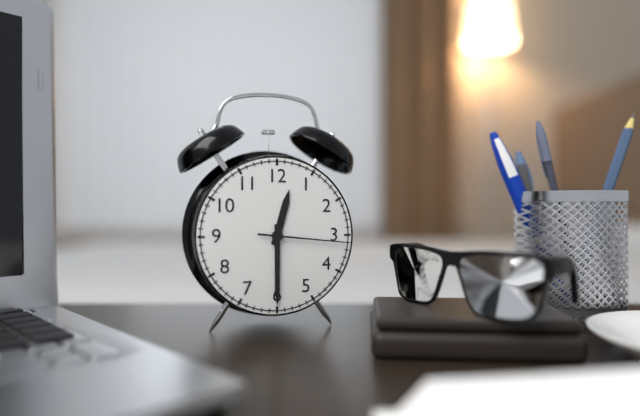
12h30m16s
